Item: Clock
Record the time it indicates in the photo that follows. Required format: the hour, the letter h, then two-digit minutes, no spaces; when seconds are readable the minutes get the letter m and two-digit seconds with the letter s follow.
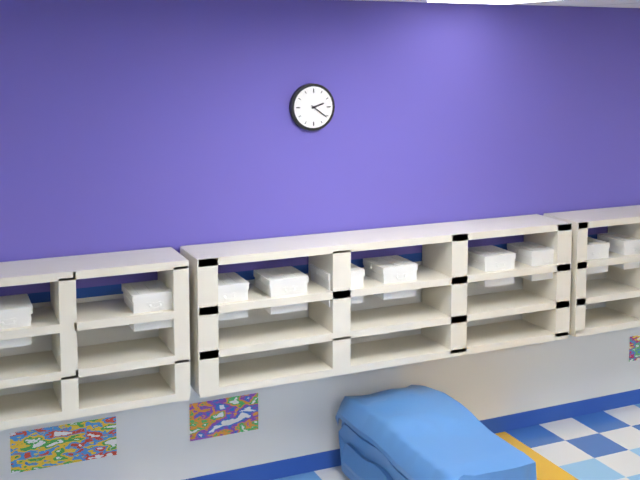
2h21
